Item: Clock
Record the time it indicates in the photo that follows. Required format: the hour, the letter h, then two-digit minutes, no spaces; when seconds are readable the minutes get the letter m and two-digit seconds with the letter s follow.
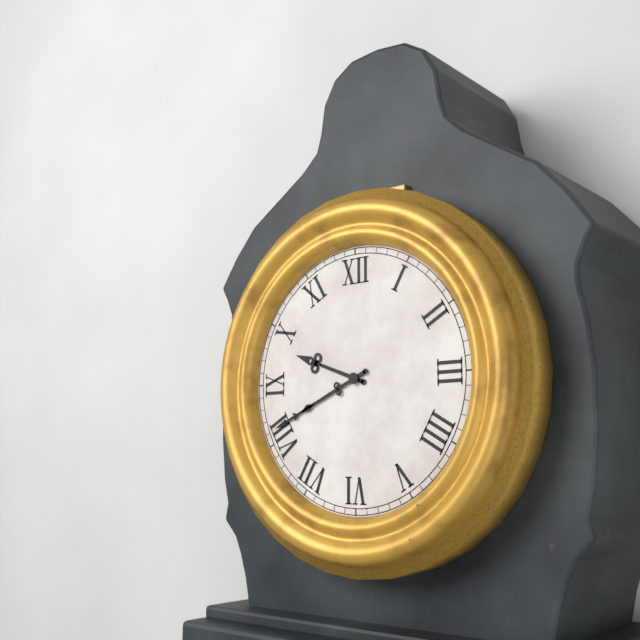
9h41
